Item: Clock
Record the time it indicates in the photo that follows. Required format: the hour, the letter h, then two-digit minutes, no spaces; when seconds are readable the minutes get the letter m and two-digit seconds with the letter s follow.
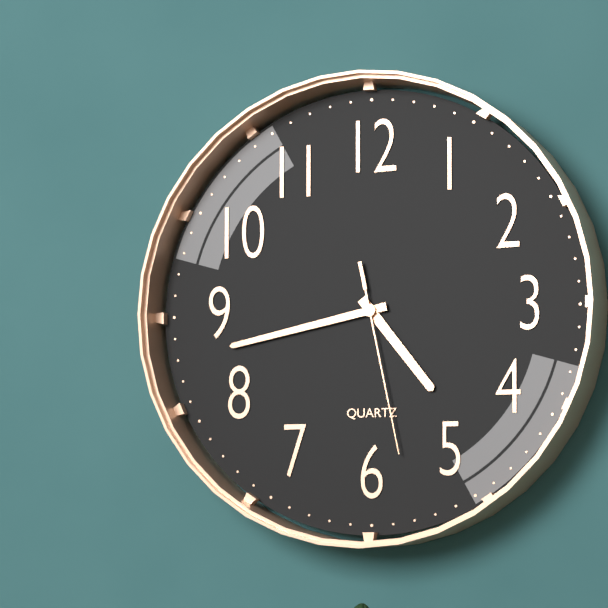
4h43m28s
